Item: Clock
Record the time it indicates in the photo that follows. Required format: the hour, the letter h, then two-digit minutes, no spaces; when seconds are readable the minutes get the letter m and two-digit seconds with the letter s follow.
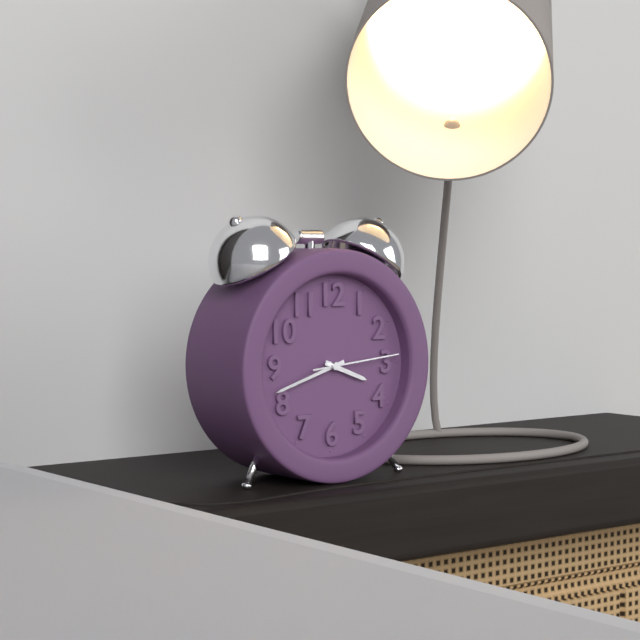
3h42m14s
